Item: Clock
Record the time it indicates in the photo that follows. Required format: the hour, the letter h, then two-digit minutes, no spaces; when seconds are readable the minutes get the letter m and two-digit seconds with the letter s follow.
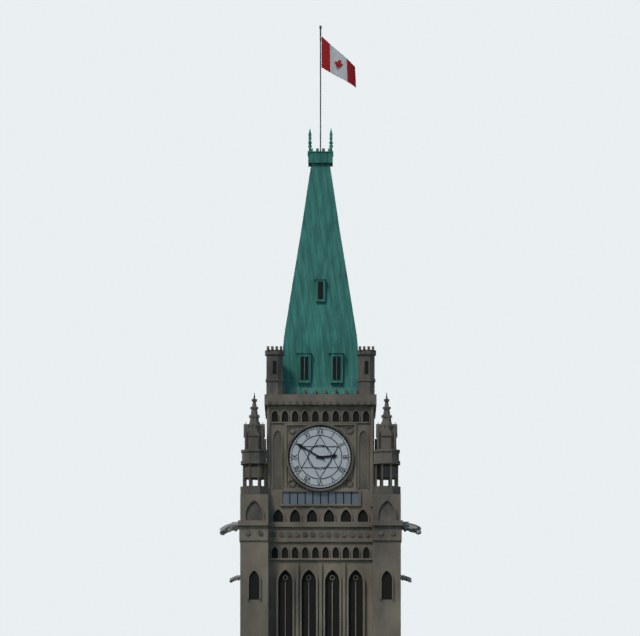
2h50
